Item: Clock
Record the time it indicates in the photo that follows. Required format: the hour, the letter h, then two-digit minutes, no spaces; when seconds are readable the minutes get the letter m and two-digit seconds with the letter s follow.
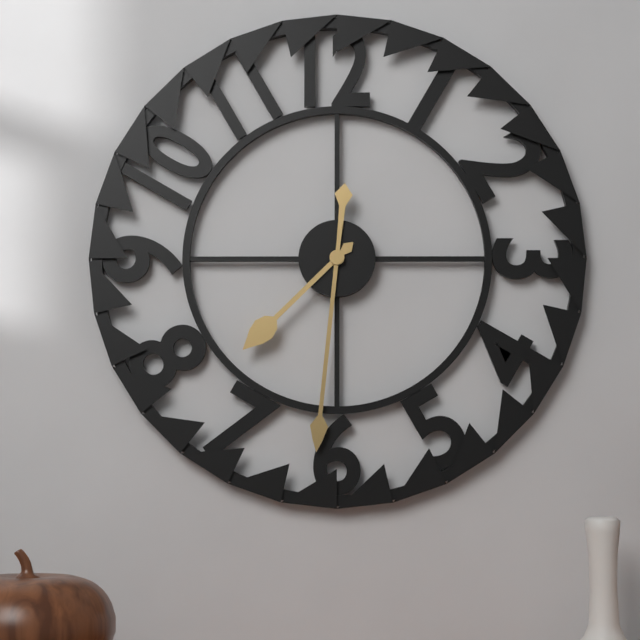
7h31
